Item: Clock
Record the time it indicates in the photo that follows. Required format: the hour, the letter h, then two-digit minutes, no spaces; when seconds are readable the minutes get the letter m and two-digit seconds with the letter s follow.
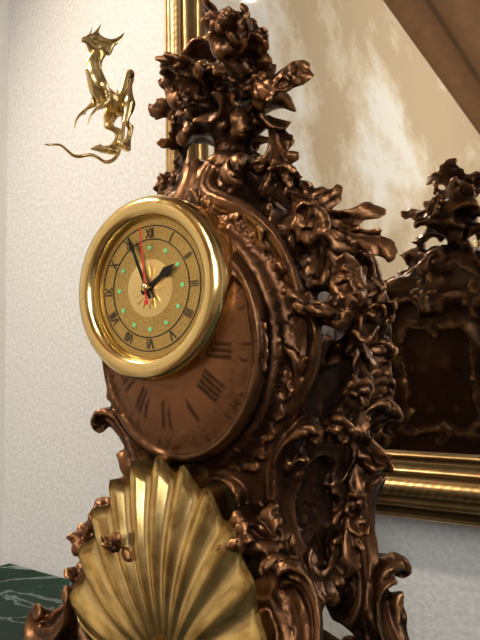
1h56m59s
